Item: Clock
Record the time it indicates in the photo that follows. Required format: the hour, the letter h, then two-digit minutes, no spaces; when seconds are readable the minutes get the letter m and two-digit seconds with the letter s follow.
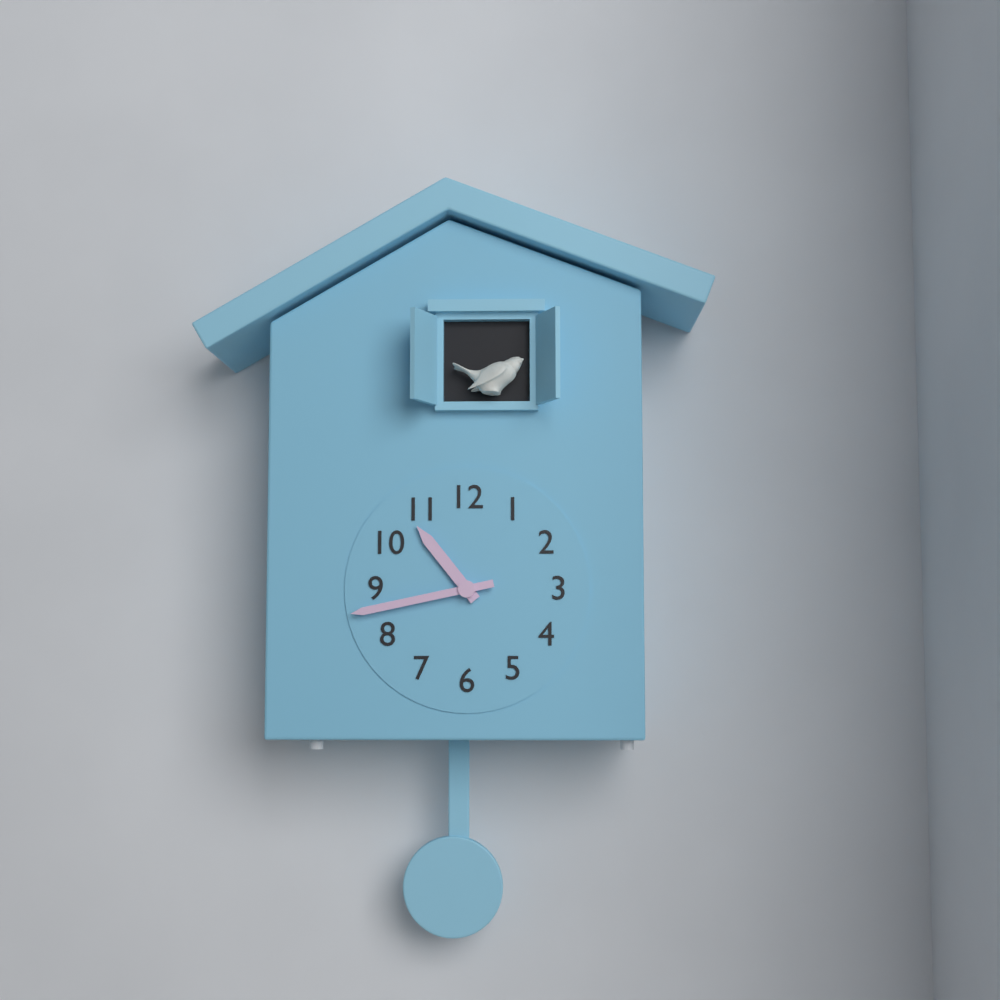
10h43
